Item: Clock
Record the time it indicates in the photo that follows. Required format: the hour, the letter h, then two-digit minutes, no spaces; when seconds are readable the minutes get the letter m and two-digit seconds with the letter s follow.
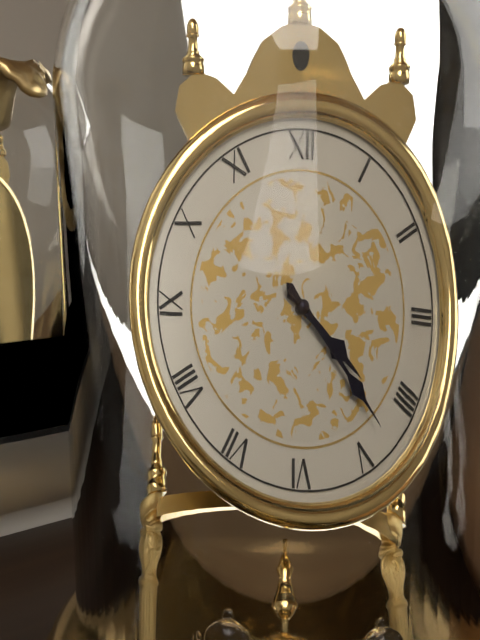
4h23
